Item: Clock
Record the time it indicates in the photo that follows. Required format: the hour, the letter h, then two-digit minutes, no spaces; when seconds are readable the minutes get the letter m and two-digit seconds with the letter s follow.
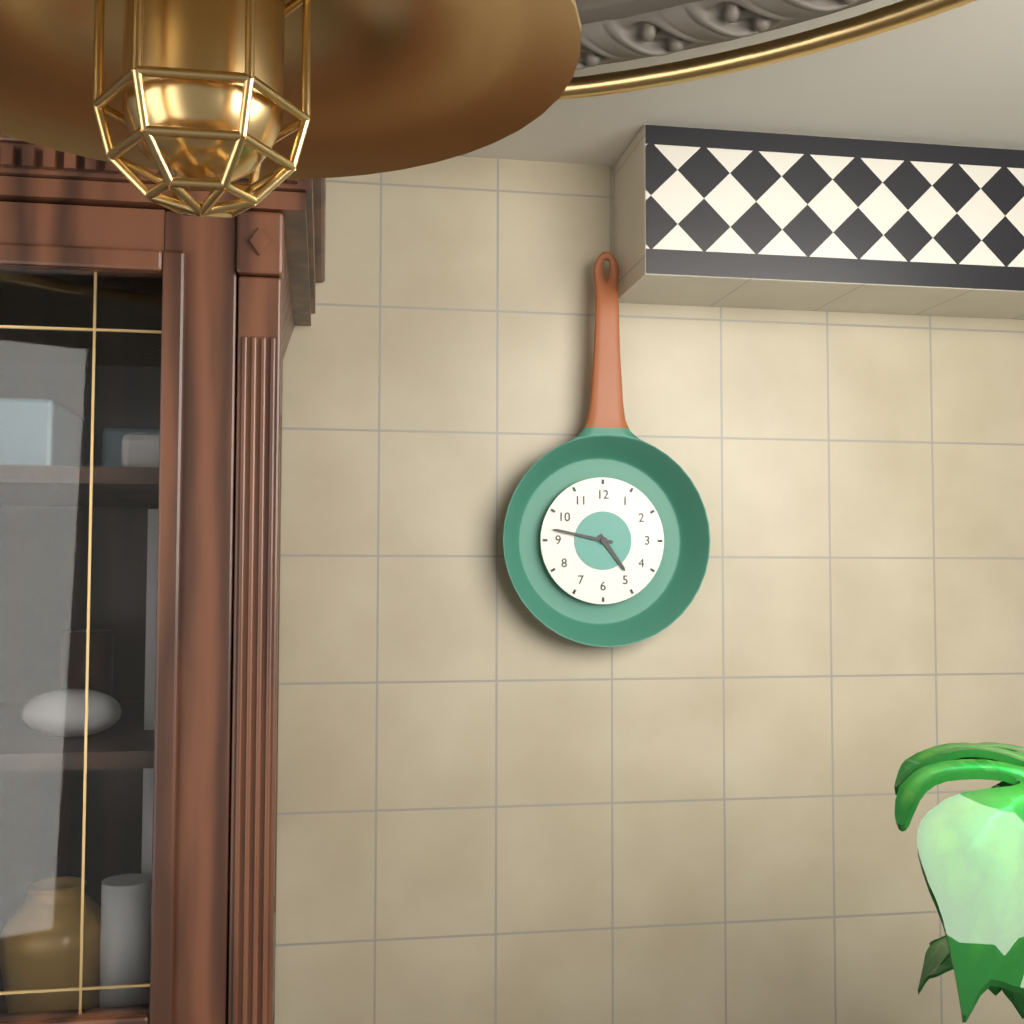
4h47
